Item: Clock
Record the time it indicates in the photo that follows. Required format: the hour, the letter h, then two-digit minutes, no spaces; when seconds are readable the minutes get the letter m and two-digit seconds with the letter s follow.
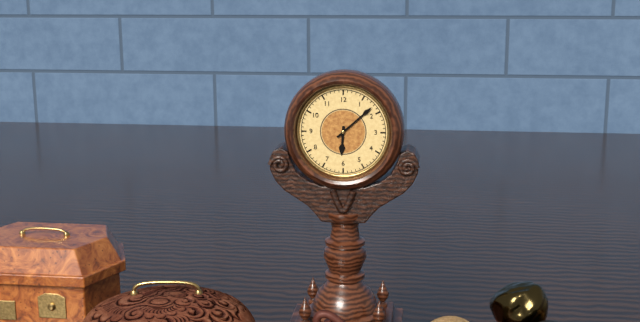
6h08
